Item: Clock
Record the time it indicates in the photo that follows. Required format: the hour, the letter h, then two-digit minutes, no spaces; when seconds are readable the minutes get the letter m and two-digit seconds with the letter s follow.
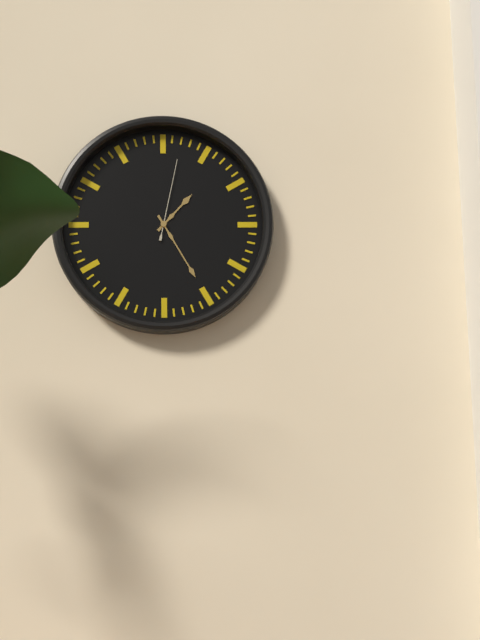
1h25m02s
